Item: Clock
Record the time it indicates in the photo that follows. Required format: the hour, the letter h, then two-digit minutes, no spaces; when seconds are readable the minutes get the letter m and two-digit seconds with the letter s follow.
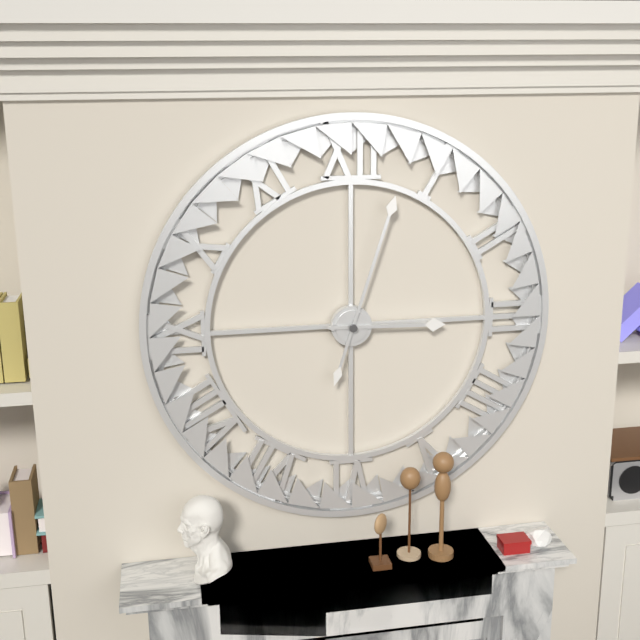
3h03
